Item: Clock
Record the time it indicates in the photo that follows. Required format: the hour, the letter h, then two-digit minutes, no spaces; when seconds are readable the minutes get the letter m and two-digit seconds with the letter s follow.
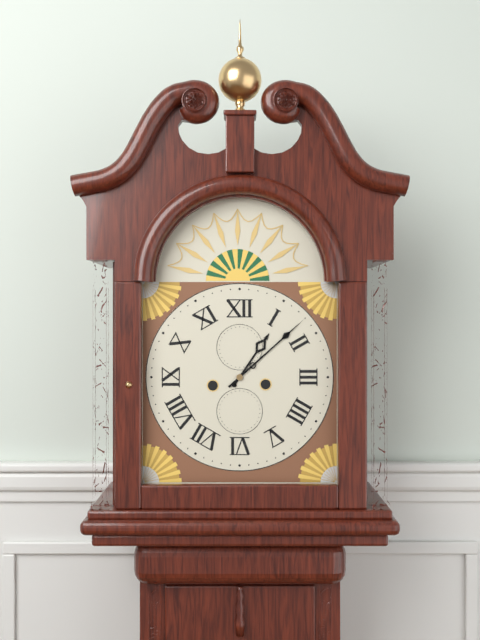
1h08
